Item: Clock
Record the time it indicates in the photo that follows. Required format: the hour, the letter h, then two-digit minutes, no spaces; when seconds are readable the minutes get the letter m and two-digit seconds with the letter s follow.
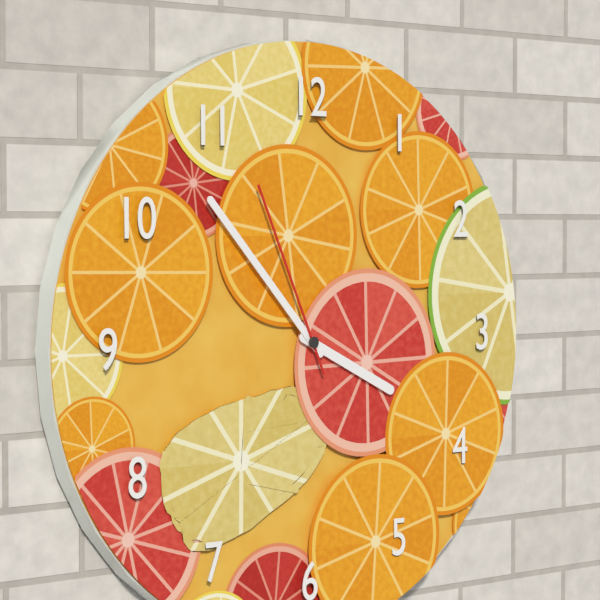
3h53m56s
